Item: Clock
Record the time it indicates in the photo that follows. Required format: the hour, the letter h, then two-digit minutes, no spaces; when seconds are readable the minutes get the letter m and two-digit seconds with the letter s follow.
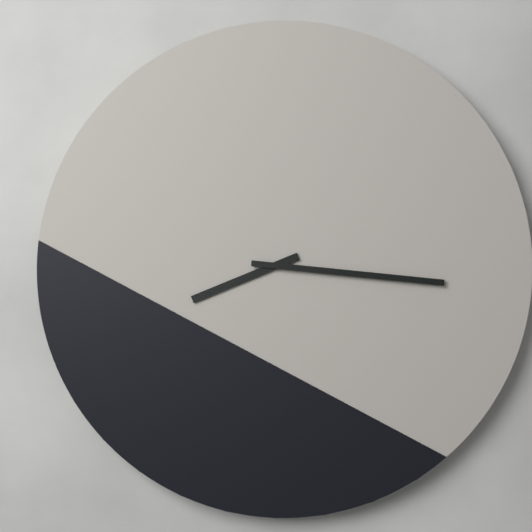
8h16
